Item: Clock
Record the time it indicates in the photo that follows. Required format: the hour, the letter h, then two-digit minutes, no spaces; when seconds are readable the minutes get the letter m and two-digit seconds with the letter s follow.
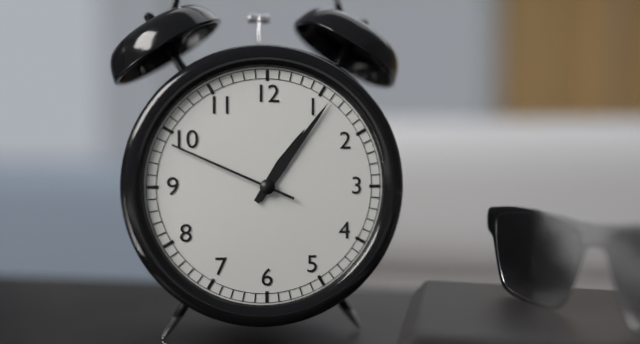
1h06m49s
